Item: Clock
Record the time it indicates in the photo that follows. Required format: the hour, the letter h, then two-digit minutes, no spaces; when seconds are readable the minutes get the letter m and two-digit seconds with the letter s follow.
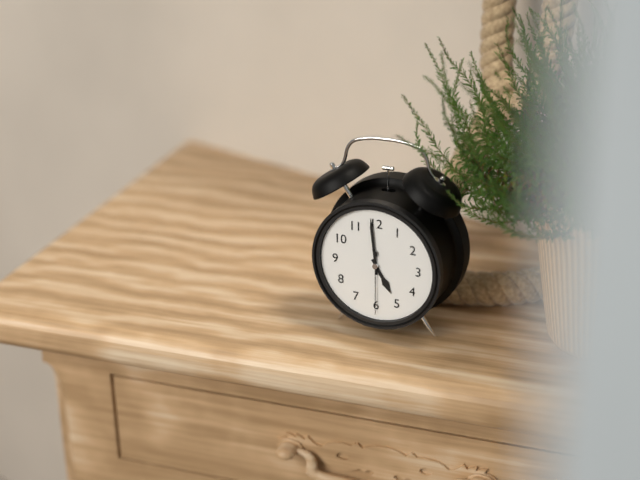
4h59m30s
